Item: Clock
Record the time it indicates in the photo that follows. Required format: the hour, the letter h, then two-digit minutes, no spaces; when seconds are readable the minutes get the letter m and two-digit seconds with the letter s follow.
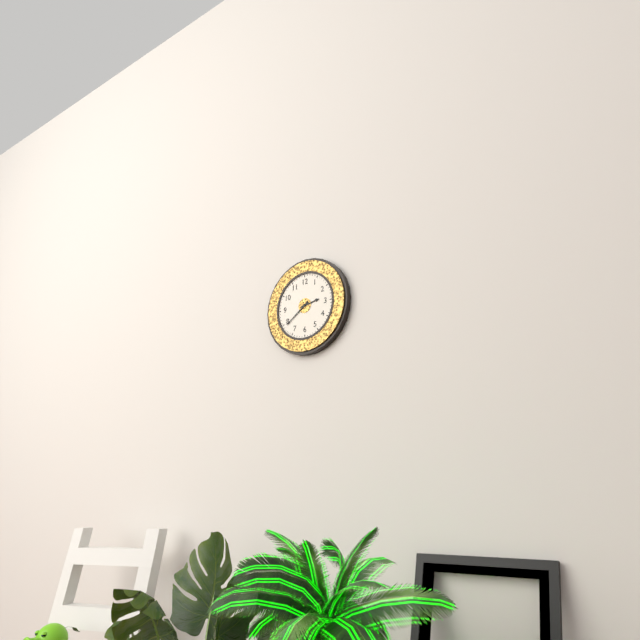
2h39
